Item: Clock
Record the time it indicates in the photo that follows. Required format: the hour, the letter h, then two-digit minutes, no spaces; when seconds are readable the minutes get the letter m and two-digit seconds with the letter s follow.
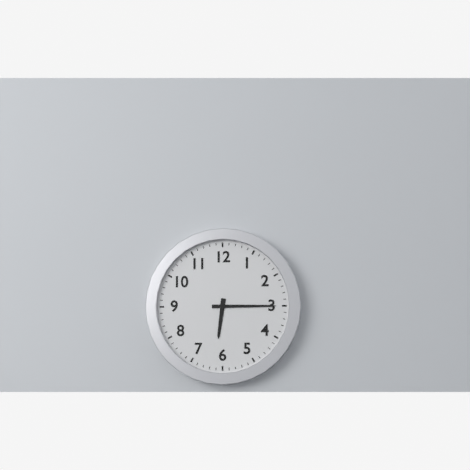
6h15
